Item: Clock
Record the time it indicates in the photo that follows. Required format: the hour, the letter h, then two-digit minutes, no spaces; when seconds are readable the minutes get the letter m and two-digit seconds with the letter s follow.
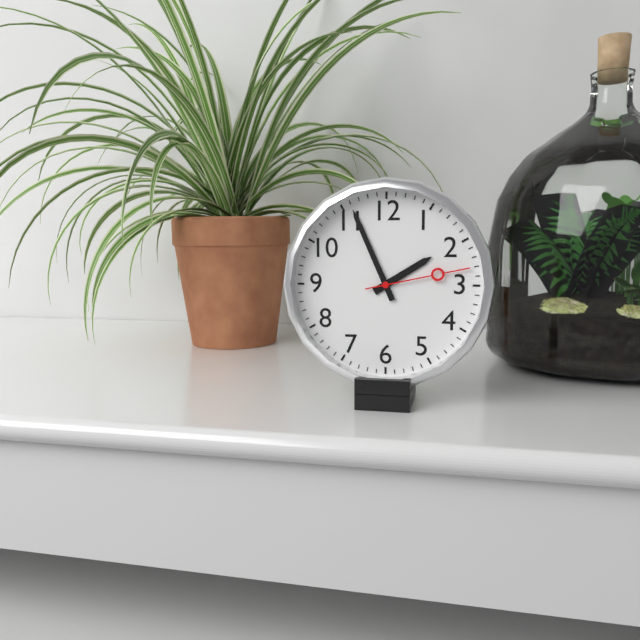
1h56m13s
